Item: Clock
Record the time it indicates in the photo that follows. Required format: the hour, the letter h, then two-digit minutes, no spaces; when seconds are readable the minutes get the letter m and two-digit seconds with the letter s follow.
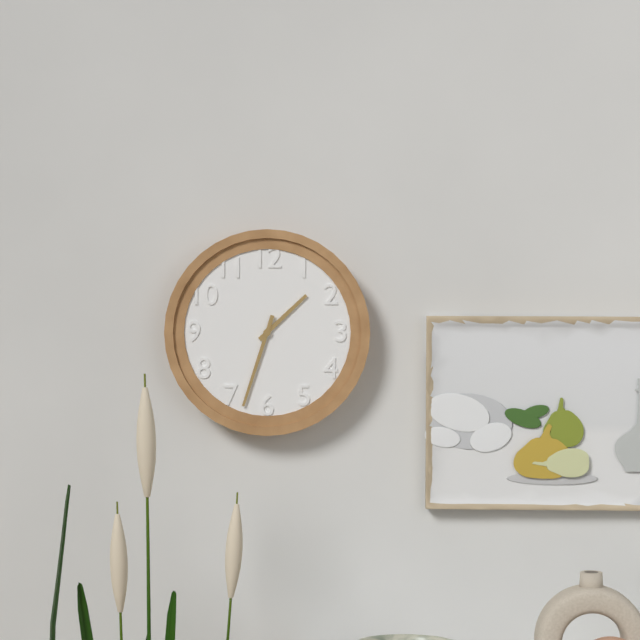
1h33
